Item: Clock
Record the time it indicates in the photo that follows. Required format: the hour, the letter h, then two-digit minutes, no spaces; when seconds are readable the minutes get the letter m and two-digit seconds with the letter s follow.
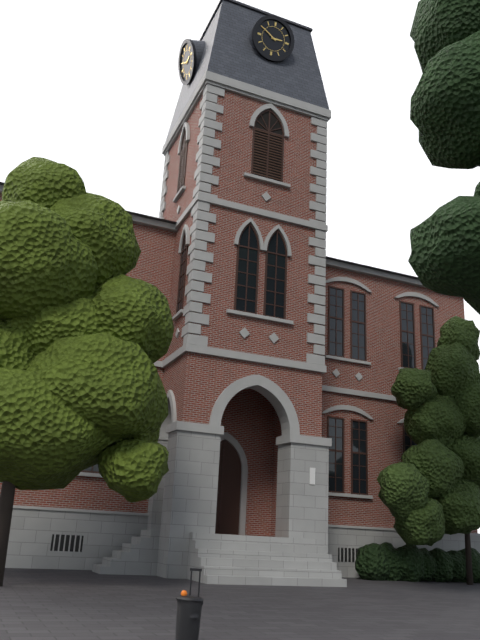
2h50
